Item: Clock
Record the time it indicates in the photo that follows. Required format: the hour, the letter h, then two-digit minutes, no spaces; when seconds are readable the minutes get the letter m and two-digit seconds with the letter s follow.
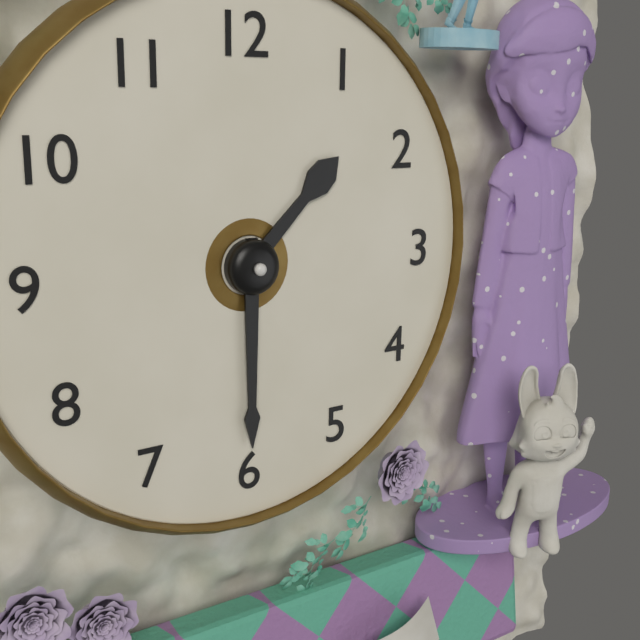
1h30
